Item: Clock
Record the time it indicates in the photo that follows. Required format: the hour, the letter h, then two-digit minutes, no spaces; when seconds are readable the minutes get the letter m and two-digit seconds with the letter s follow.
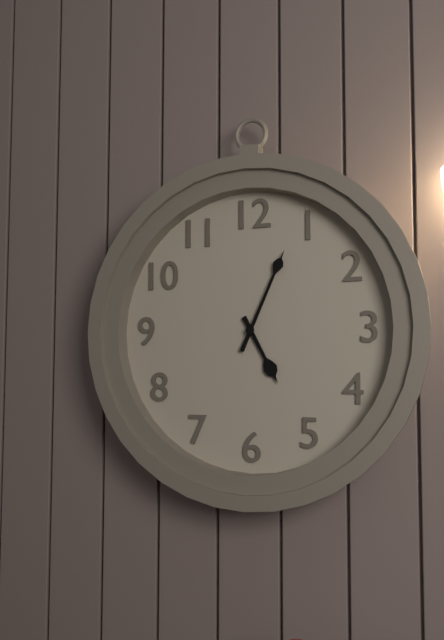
5h04
